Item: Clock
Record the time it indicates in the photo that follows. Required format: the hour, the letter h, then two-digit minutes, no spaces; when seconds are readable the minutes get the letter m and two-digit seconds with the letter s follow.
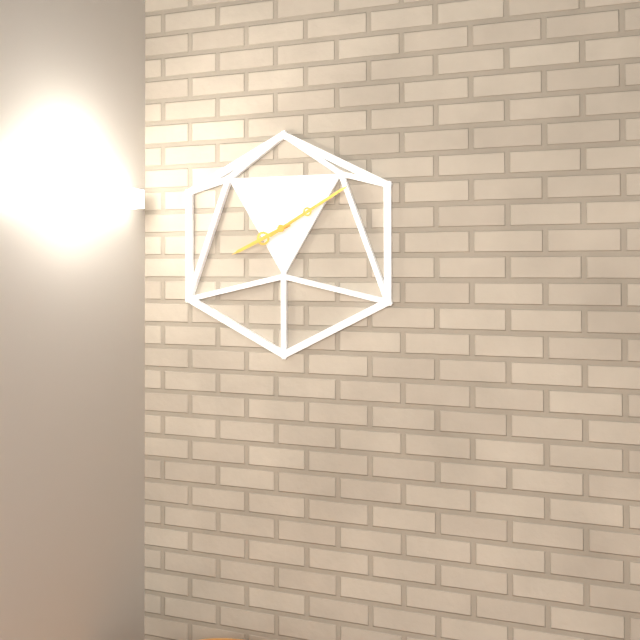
8h10
